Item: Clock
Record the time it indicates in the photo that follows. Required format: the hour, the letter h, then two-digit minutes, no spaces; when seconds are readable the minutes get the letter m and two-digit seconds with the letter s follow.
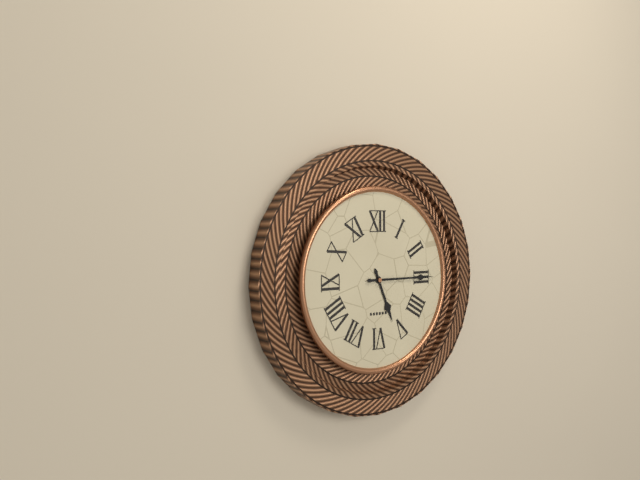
5h15
